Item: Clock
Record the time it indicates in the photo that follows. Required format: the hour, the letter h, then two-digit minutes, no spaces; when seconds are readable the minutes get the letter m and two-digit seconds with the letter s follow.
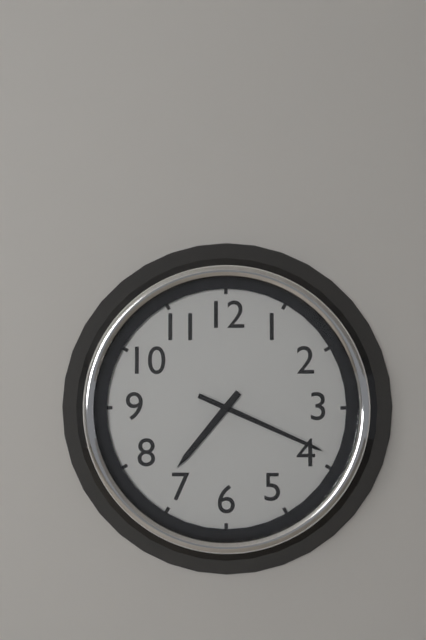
7h19
